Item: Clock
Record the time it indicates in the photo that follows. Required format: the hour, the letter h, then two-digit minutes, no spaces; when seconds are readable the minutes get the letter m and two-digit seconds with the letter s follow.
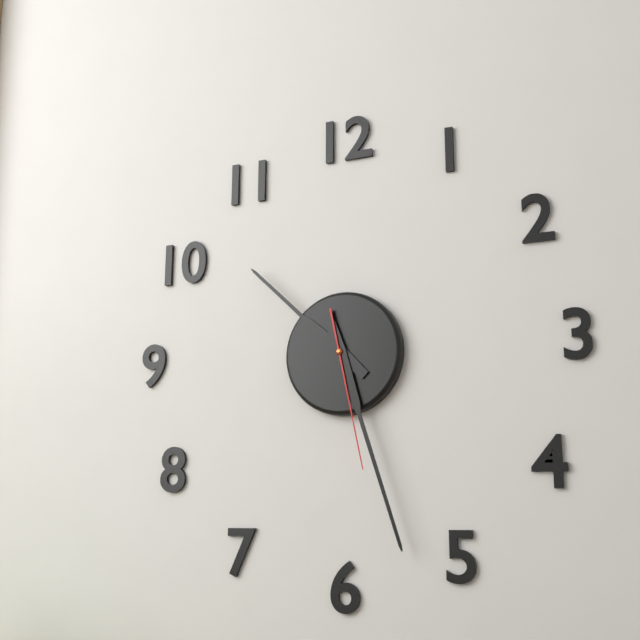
10h27m28s
